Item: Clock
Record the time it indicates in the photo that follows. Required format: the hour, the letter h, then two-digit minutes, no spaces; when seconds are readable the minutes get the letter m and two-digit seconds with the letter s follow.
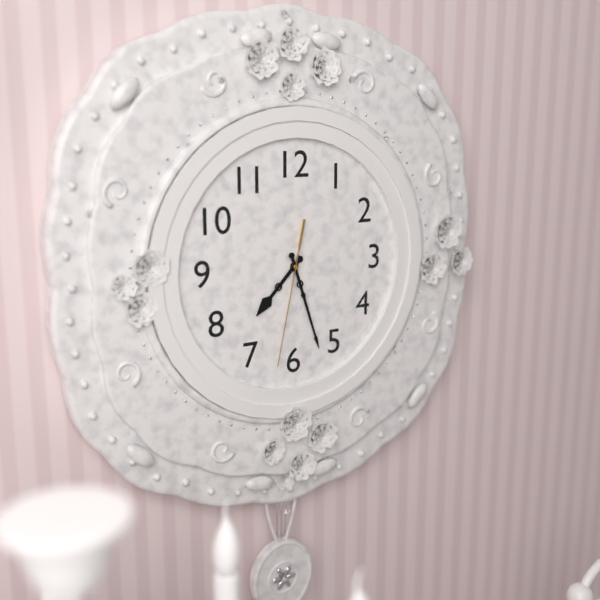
7h27m32s
